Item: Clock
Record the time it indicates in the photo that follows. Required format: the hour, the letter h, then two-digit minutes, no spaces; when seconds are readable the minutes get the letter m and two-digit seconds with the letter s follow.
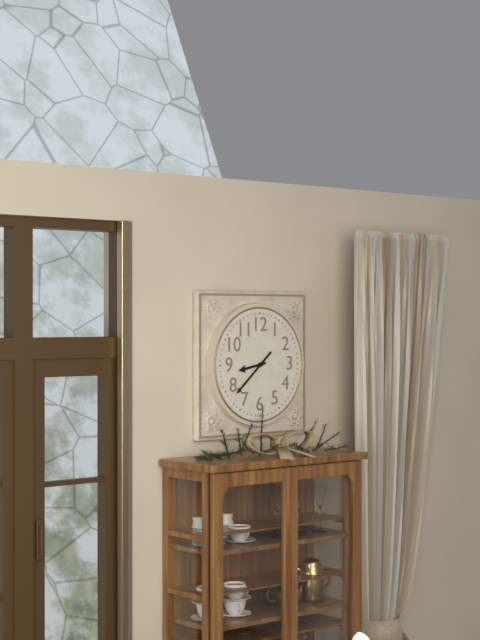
8h38
